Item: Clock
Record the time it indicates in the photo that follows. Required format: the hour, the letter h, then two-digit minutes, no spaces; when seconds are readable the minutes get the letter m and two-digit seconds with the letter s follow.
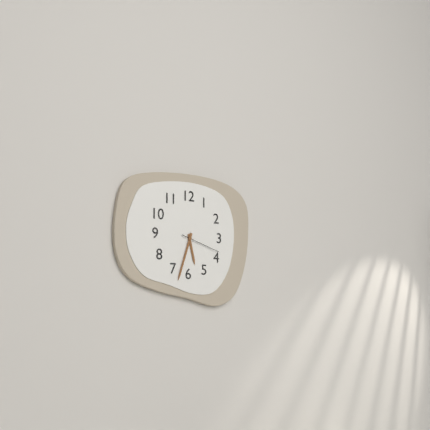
5h33
